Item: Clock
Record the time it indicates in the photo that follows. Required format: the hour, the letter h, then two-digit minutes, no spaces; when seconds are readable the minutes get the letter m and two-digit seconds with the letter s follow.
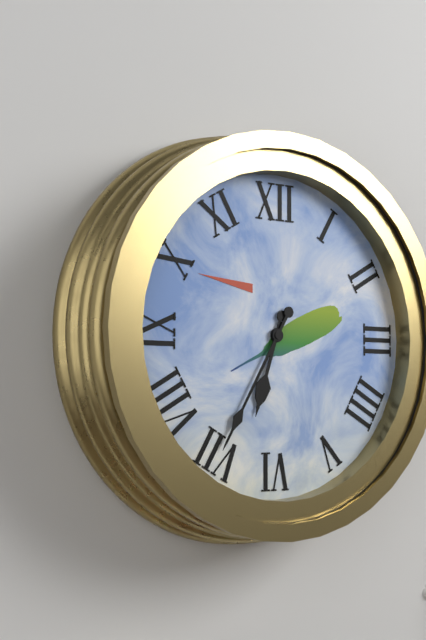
6h35
